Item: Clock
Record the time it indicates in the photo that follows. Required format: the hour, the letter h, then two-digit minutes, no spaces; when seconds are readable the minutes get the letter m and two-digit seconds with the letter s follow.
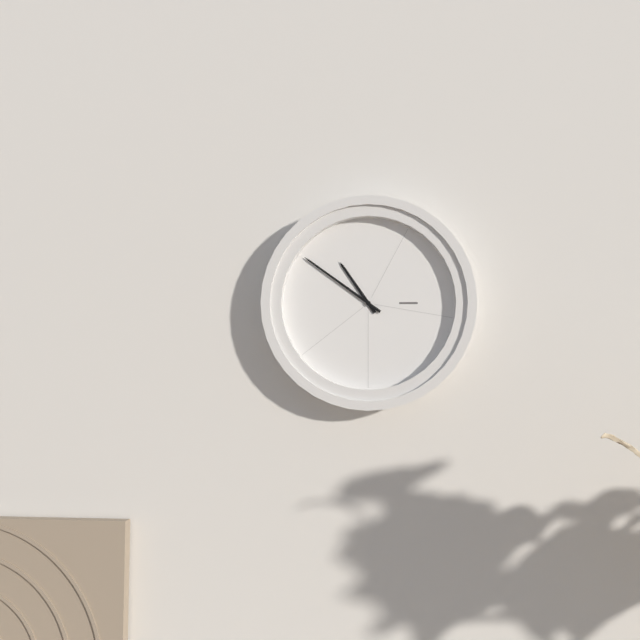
10h51
